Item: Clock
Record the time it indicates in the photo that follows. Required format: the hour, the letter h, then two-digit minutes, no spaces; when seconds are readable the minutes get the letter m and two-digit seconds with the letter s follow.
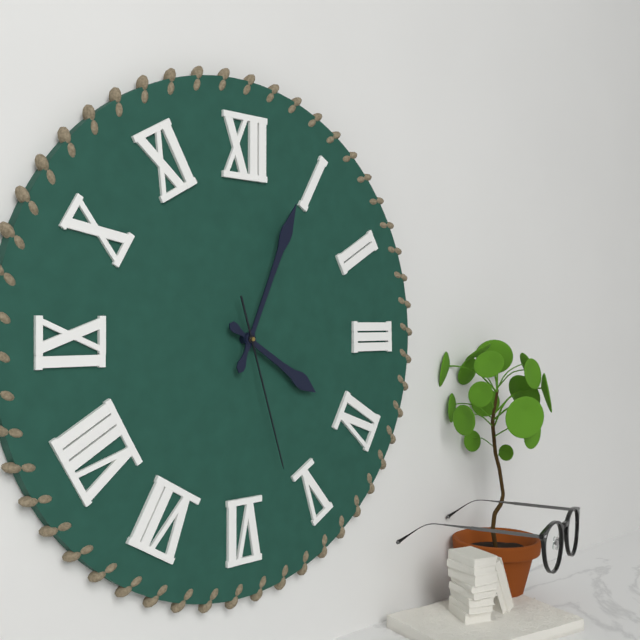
4h04m27s
